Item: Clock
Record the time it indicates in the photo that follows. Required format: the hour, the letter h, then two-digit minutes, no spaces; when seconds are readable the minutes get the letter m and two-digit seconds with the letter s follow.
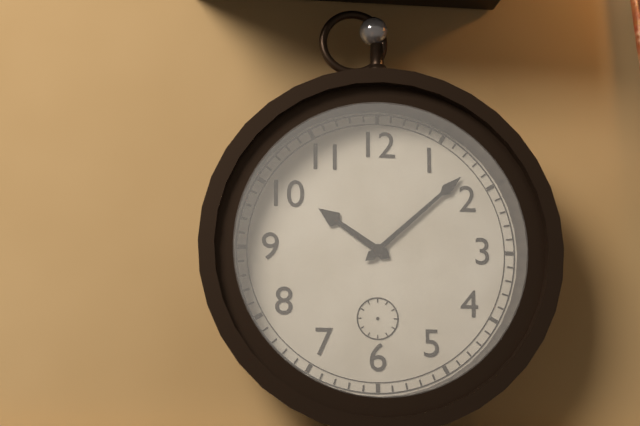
10h08
